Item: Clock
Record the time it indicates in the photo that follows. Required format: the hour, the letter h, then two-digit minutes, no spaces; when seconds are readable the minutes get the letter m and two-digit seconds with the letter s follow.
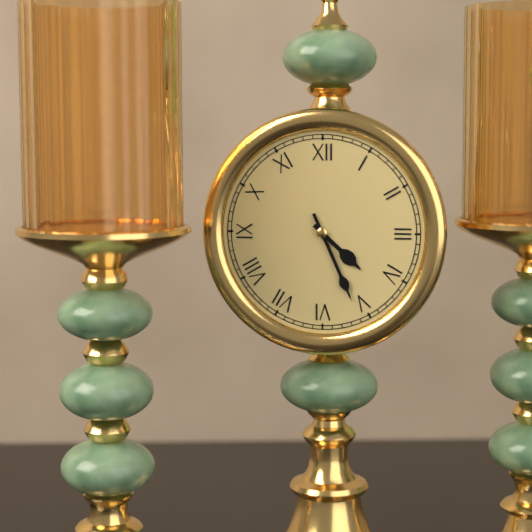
4h26
